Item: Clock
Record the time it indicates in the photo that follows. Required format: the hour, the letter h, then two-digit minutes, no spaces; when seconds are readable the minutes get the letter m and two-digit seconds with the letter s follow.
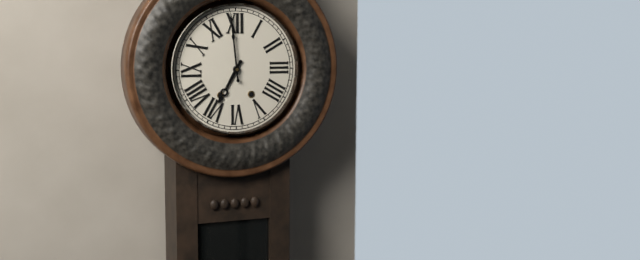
6h59
